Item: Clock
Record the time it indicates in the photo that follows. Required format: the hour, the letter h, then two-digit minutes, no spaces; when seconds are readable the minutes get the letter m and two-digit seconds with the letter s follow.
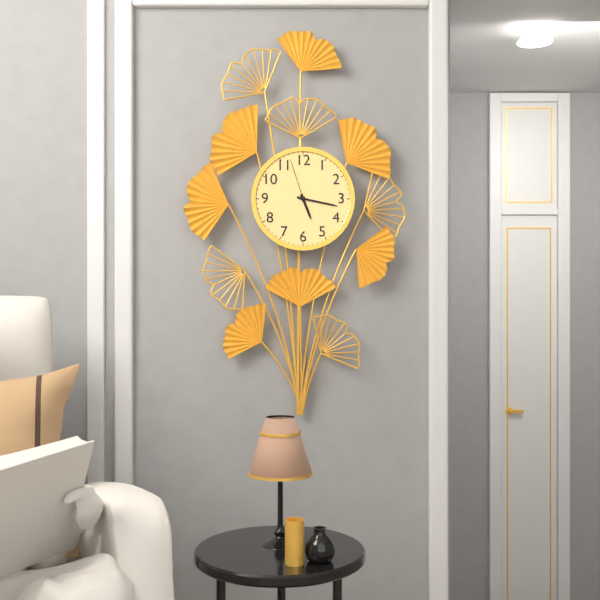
5h17m57s
